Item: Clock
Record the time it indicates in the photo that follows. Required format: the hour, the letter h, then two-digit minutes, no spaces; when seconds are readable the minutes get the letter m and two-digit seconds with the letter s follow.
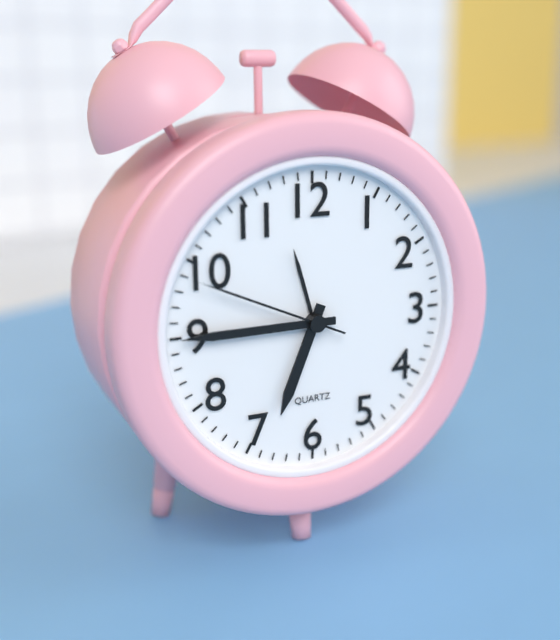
6h45m49s
